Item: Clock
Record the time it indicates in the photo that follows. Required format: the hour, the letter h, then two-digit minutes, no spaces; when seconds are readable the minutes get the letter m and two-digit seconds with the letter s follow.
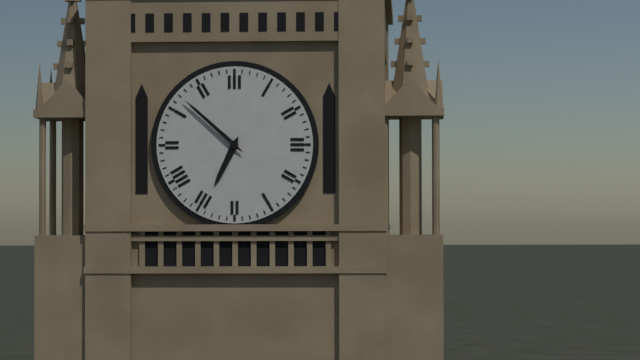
6h52
